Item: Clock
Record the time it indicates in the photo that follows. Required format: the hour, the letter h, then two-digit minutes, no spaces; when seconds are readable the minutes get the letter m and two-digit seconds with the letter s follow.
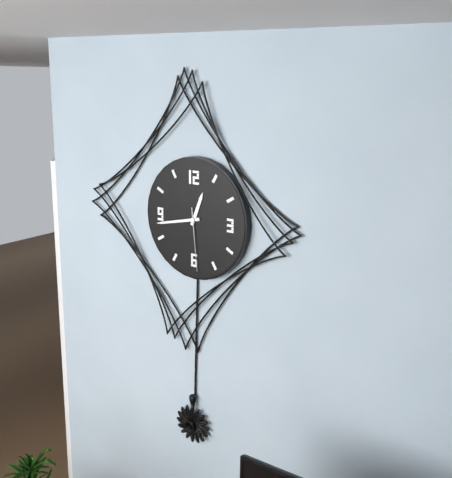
12h43m29s
